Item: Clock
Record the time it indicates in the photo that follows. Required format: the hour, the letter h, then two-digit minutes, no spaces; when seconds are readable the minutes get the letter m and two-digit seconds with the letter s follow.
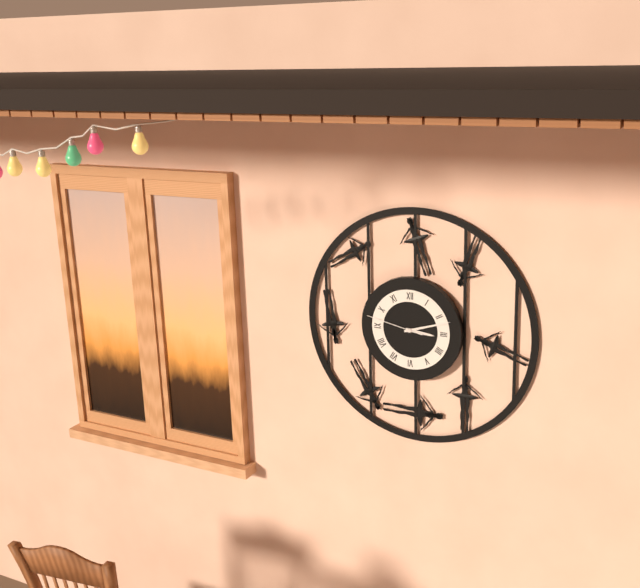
3h12m47s
